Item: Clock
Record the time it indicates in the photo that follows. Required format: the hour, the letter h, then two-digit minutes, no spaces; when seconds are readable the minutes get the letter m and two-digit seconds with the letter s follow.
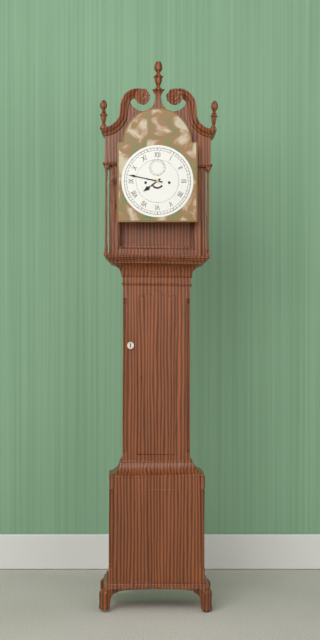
7h47
